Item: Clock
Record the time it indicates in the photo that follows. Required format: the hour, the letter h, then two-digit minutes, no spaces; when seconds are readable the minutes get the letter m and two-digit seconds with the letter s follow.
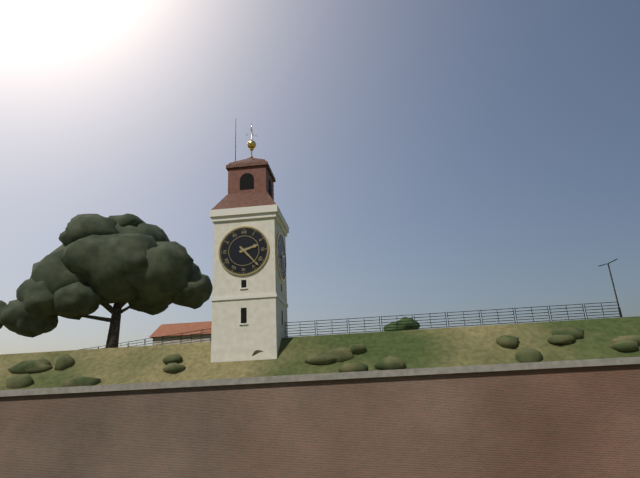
2h23
